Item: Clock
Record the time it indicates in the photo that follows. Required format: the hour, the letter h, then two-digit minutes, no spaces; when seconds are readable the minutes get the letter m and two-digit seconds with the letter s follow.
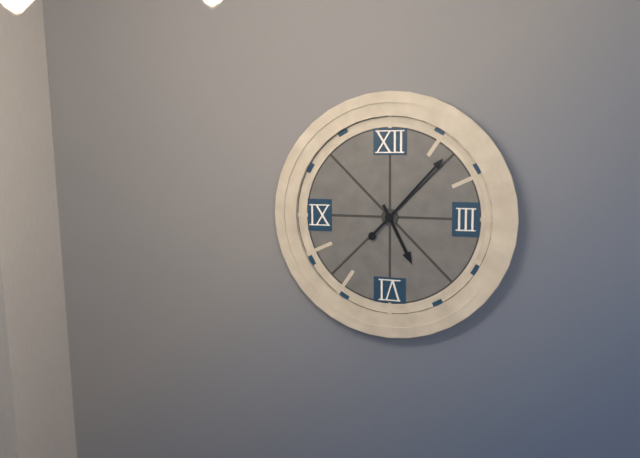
5h07
